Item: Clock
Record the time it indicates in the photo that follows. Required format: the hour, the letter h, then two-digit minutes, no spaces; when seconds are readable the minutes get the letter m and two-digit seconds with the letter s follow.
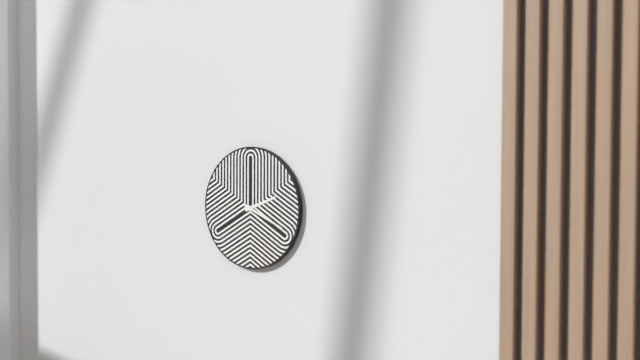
2h19
